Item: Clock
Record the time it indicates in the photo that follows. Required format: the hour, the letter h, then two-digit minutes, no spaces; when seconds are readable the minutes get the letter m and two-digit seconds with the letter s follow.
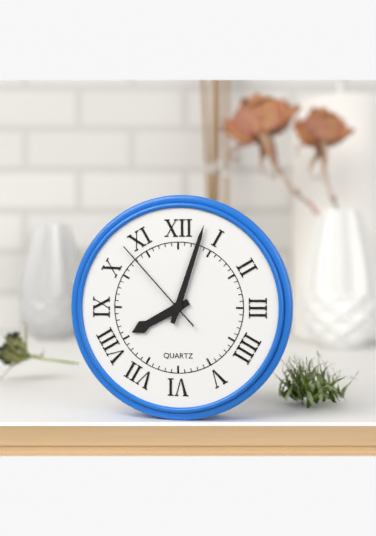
8h03m53s
